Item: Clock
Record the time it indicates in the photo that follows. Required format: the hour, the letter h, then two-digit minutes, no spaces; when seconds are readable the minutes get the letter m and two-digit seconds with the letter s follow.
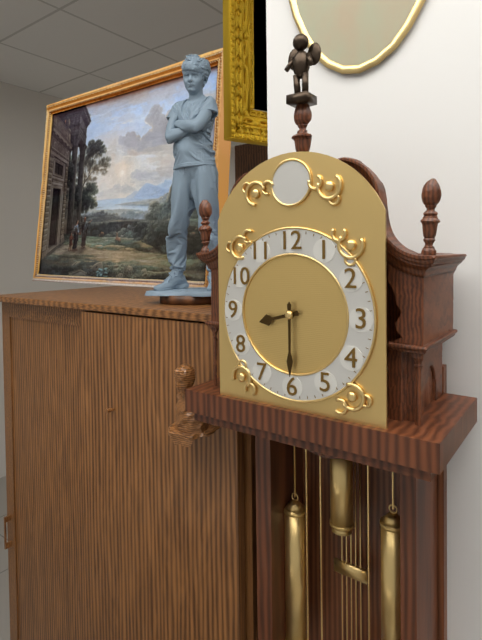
8h30
